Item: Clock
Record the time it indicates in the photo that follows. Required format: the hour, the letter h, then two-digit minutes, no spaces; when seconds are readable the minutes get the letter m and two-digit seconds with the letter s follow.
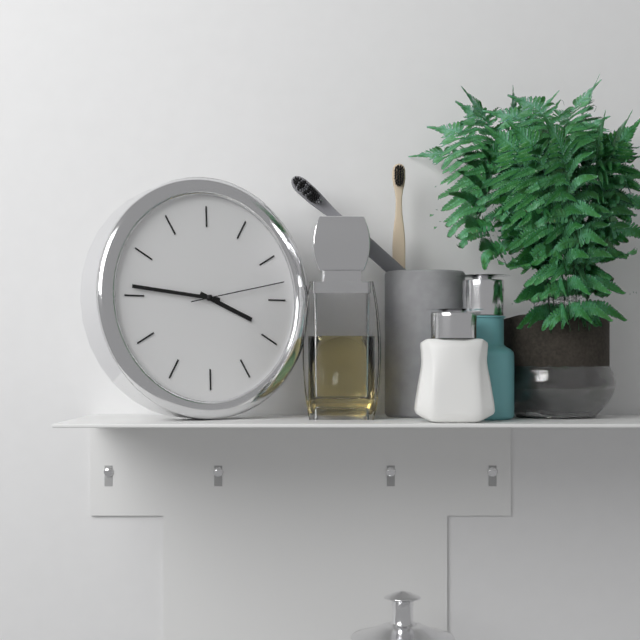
3h46m13s
